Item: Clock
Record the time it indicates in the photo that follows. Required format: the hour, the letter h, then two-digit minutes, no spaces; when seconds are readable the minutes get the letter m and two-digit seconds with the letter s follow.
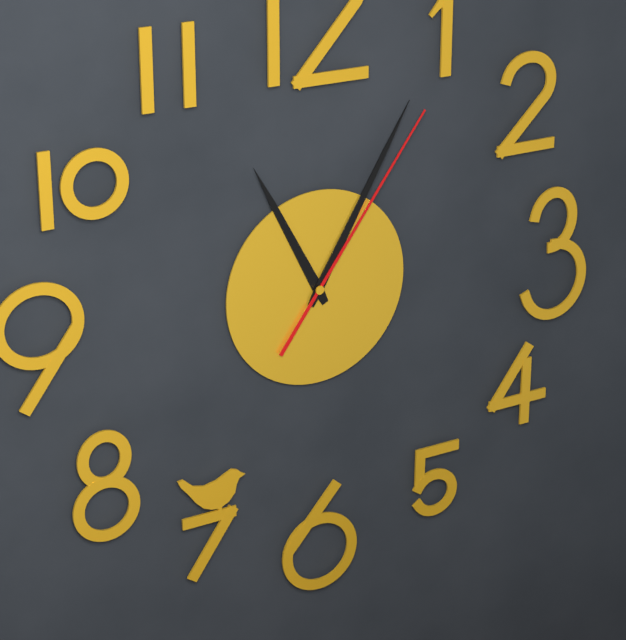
11h05m06s
